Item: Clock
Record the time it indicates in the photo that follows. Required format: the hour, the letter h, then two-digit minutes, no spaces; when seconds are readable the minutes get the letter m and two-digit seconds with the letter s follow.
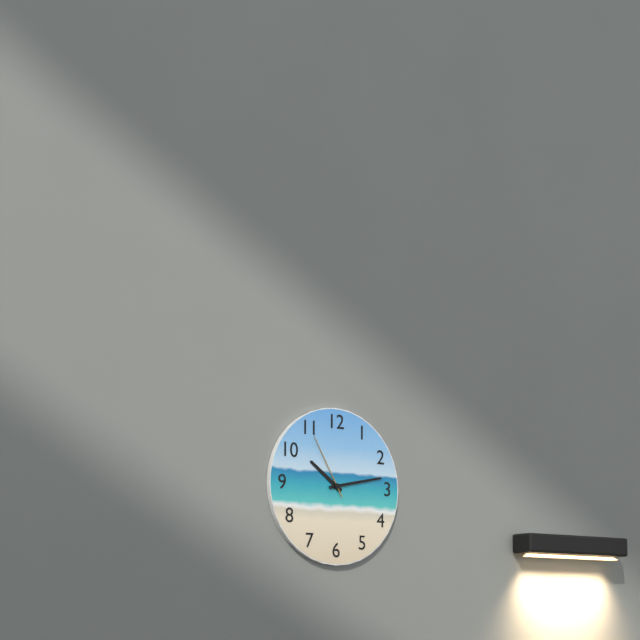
10h13m55s
